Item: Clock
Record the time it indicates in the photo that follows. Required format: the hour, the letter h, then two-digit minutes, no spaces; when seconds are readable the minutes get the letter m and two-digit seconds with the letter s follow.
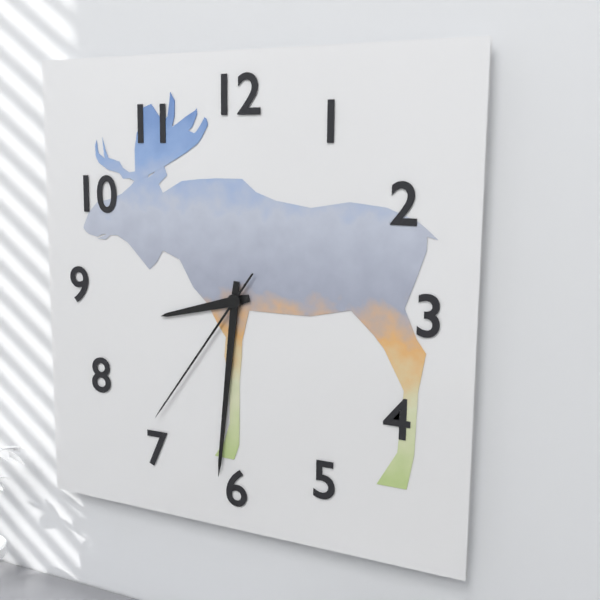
8h31m36s
